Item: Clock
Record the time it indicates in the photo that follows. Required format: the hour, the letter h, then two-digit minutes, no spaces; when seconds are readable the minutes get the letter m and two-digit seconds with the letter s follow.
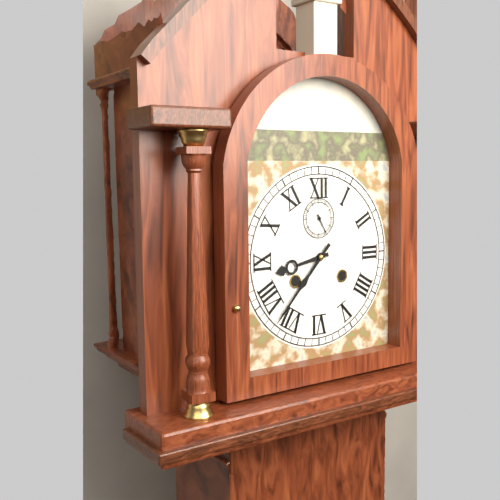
8h37
